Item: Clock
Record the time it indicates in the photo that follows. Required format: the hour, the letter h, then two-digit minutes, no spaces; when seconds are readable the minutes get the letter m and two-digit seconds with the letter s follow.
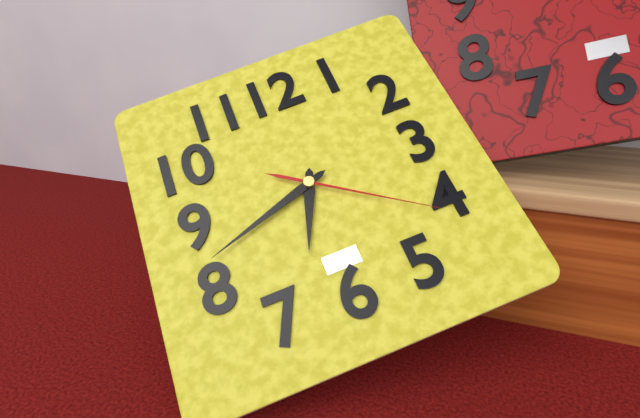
6h42m21s
